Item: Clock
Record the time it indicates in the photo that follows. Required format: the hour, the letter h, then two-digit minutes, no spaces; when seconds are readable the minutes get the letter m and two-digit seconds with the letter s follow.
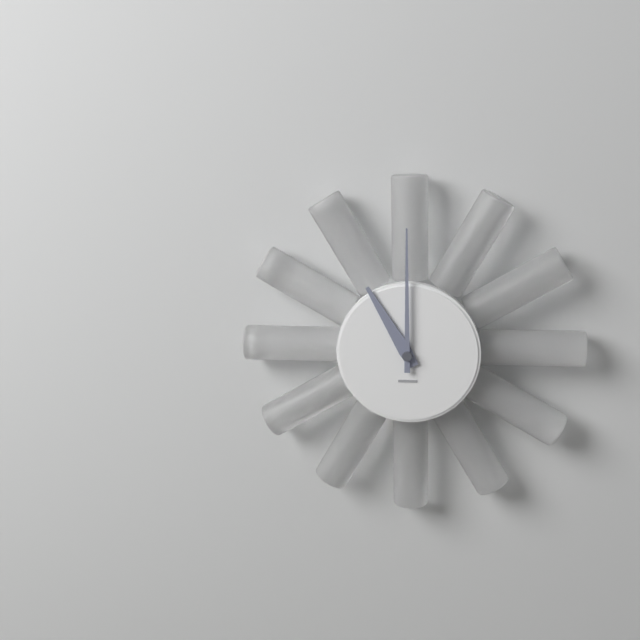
11h00
